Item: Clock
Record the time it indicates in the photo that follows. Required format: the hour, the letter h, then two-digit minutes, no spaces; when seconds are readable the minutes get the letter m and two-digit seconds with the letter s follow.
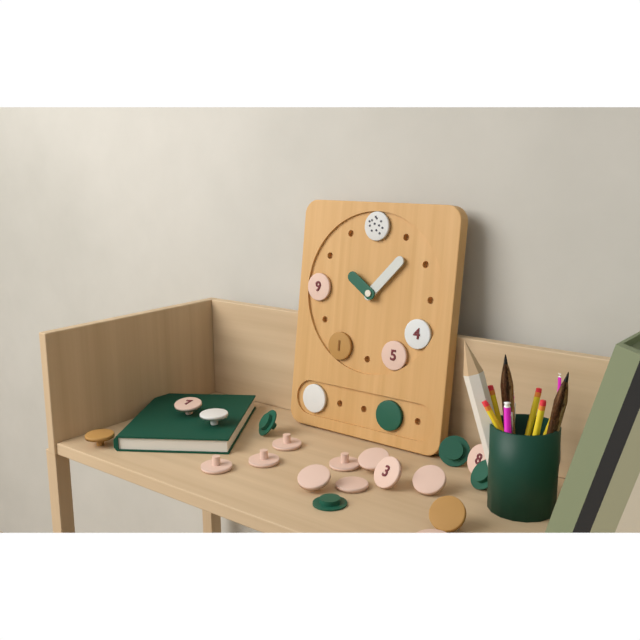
10h07
